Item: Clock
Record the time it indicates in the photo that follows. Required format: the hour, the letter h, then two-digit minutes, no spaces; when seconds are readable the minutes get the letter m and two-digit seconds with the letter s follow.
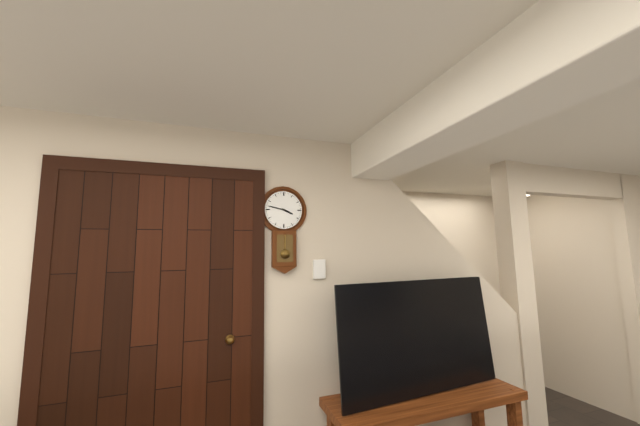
3h47
